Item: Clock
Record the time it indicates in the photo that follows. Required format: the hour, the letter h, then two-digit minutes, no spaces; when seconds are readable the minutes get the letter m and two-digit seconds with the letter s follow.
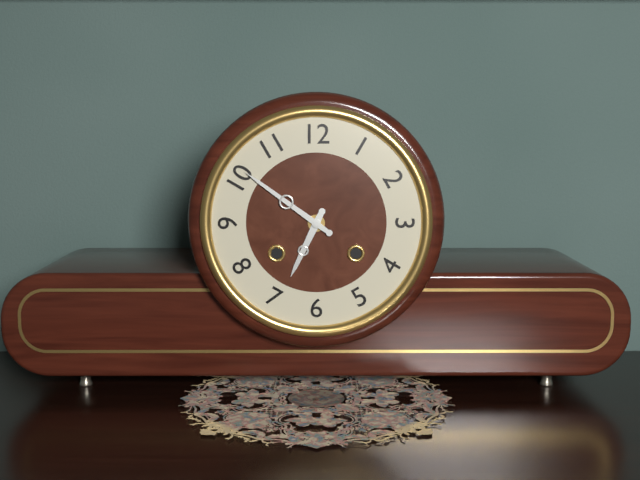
6h51
